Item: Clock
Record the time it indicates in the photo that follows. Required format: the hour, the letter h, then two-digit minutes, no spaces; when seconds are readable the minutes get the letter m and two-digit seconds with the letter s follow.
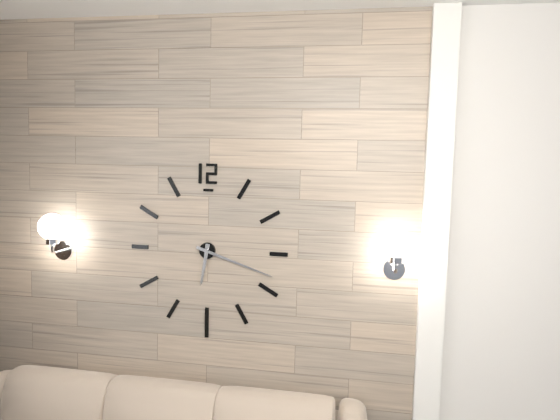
6h18
